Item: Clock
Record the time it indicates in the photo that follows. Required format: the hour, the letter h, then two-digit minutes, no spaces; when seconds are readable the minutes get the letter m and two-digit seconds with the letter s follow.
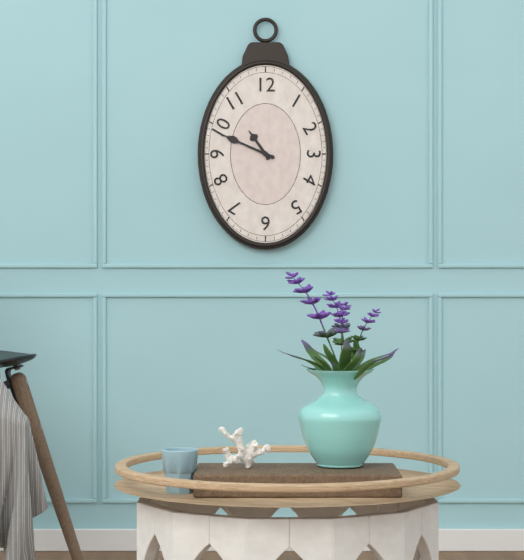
10h49
